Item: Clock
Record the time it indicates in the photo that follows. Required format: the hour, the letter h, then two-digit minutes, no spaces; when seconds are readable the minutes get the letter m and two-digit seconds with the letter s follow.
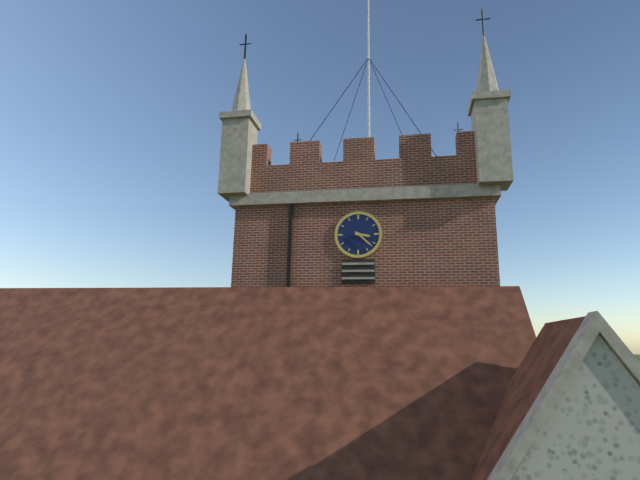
3h22
